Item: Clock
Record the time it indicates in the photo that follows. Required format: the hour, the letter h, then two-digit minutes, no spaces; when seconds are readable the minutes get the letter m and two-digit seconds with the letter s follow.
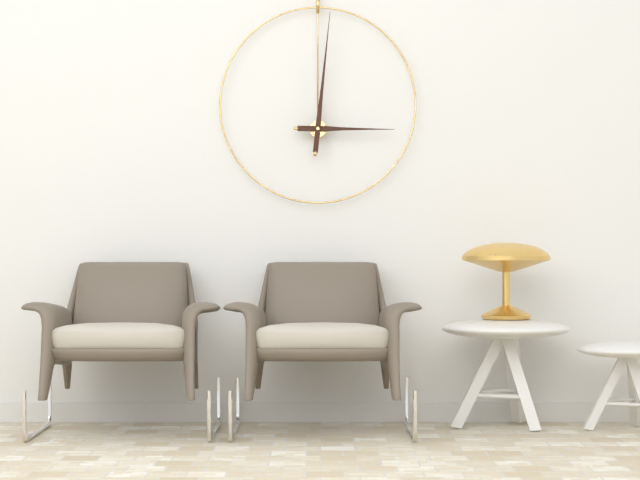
3h01
